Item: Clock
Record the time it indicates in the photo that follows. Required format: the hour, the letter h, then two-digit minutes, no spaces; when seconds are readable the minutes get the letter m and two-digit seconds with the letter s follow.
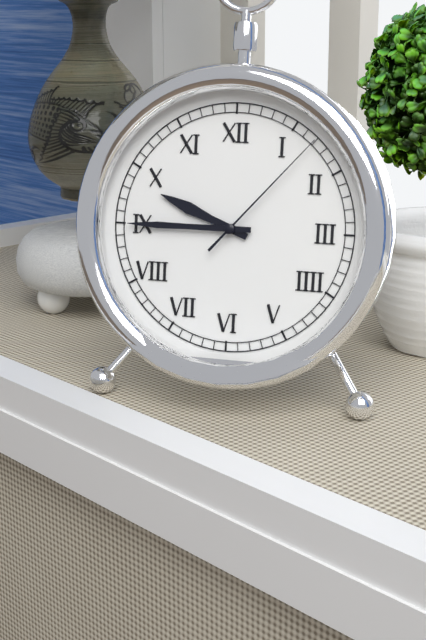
9h45m07s
